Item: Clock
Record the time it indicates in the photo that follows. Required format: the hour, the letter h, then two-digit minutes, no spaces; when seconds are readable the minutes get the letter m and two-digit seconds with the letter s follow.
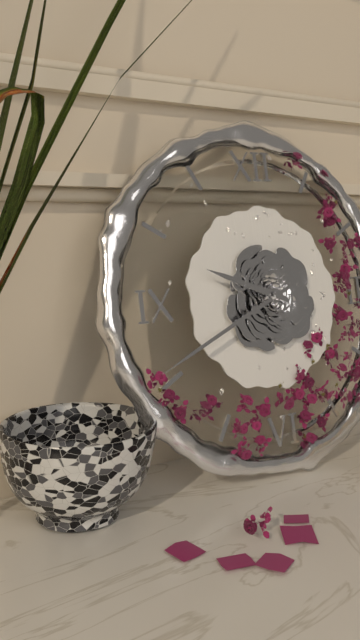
9h41
